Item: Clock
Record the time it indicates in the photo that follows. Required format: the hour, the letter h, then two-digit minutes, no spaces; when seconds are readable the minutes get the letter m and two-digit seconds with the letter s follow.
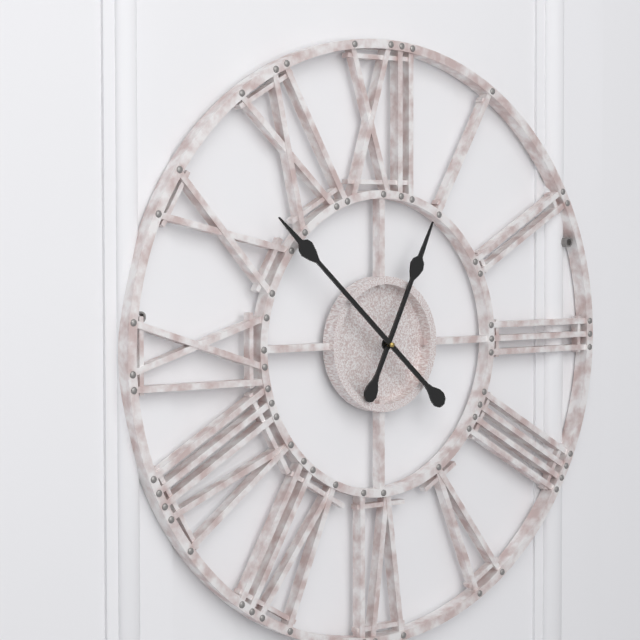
12h52
